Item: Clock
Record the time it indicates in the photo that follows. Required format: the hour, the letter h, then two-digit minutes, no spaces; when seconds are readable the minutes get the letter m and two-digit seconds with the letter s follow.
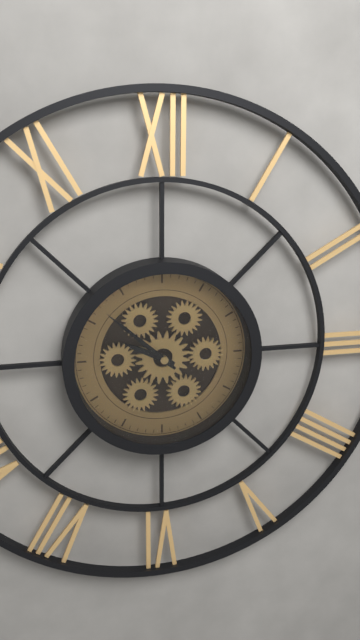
9h52
